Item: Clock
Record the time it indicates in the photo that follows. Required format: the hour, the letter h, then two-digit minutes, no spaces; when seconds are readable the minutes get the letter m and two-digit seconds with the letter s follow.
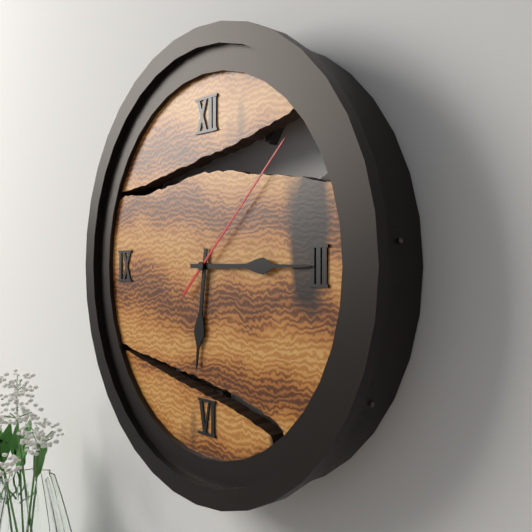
6h15m08s
